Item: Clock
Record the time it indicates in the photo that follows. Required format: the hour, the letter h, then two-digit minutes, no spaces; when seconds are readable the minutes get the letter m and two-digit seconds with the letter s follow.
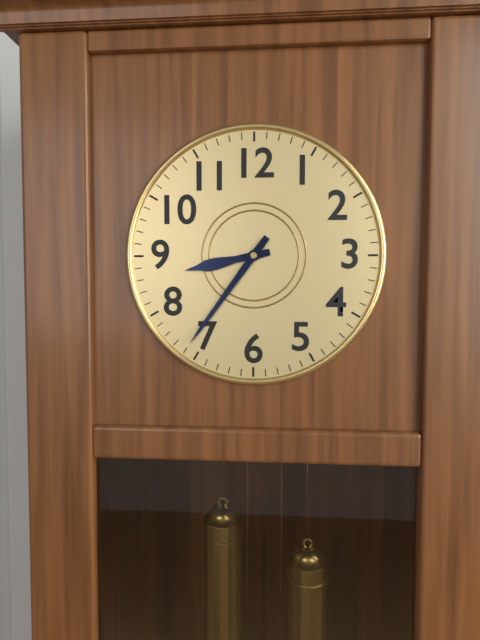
8h36
